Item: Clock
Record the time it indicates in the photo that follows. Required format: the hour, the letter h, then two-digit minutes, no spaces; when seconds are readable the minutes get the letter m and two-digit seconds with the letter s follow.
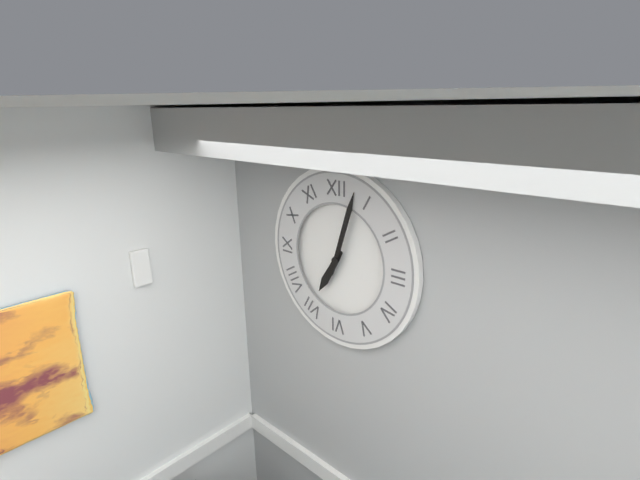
7h03
